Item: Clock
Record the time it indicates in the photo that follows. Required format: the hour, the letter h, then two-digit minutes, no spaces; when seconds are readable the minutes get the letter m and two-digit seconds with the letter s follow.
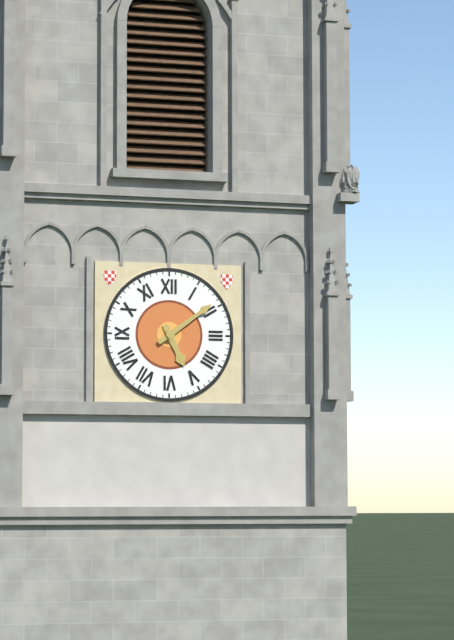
5h09
